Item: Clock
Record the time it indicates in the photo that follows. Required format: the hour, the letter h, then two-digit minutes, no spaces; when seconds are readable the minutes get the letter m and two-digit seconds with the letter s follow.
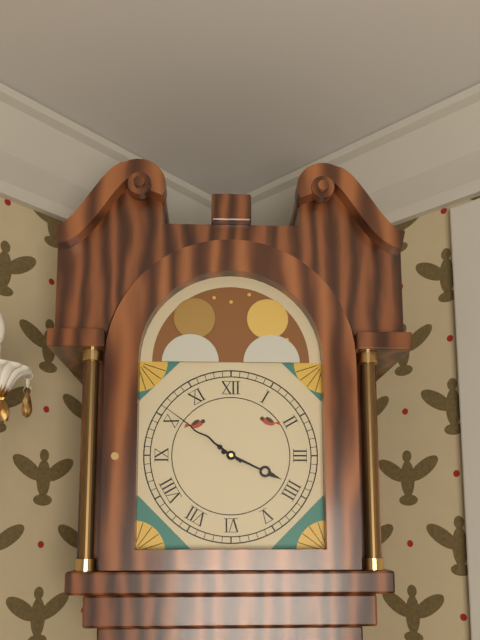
3h51
